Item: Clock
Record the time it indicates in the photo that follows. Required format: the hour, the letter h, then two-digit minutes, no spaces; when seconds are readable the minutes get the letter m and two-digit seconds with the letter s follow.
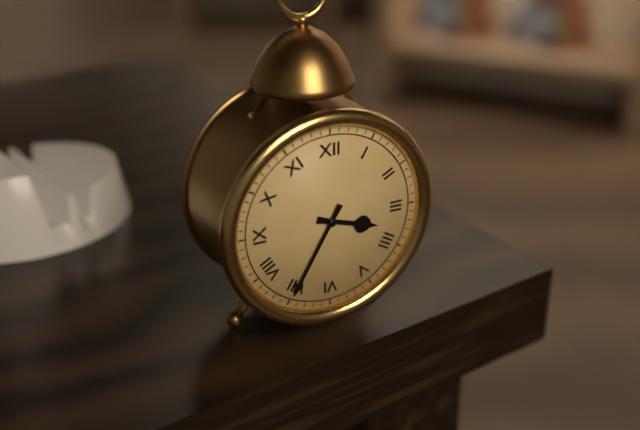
3h35
